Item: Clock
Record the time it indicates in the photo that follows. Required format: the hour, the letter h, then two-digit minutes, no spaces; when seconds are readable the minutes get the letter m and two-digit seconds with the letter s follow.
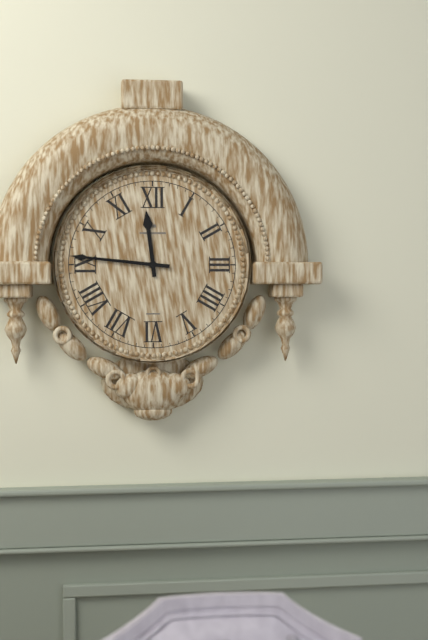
11h46
